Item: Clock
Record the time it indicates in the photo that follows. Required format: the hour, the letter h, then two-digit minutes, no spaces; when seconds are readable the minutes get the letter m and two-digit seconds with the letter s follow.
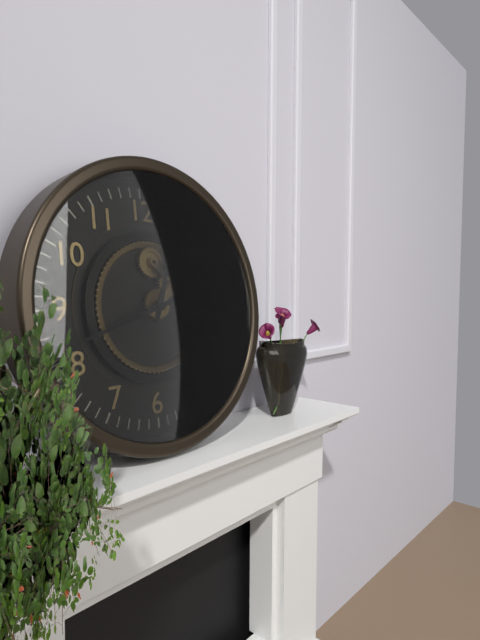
12h42
